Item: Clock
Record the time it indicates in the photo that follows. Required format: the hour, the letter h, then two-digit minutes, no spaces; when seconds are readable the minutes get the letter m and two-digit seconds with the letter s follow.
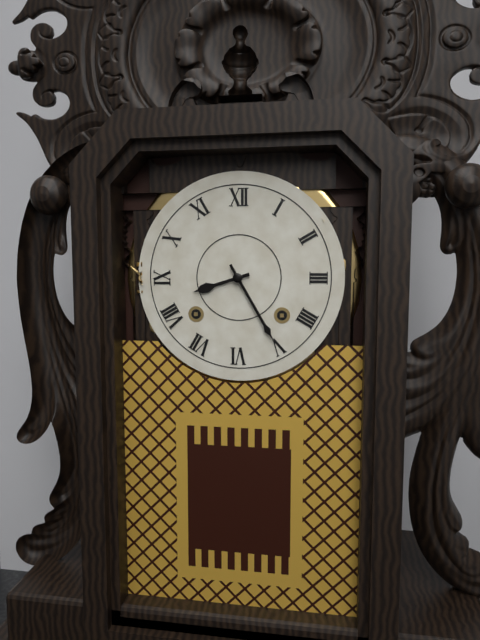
8h25
